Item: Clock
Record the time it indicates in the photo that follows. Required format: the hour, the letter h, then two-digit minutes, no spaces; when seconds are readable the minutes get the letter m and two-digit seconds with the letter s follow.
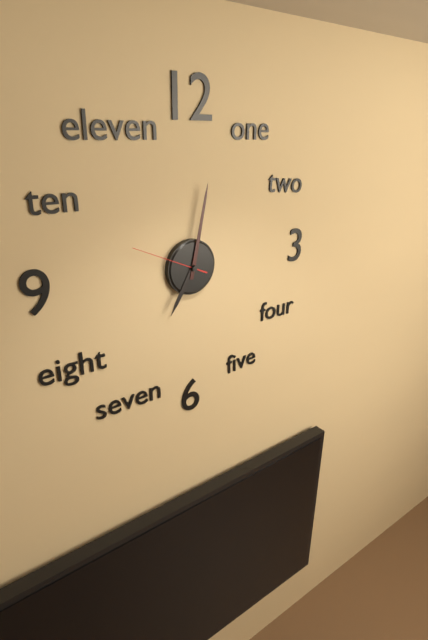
7h02m49s
